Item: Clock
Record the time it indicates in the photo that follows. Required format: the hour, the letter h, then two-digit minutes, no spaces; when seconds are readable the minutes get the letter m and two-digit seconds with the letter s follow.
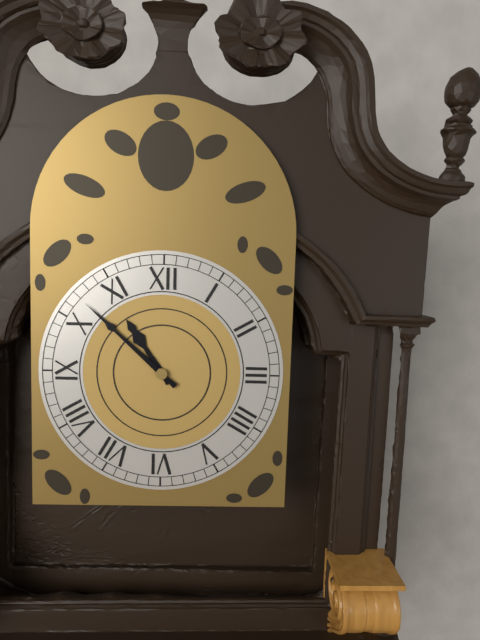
10h52
